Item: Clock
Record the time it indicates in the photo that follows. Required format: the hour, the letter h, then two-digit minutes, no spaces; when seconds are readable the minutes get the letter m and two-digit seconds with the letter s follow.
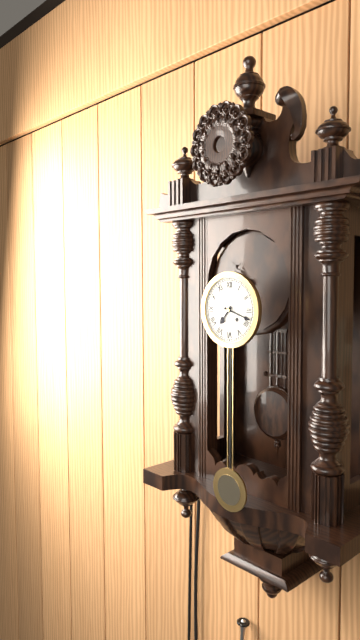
7h18
